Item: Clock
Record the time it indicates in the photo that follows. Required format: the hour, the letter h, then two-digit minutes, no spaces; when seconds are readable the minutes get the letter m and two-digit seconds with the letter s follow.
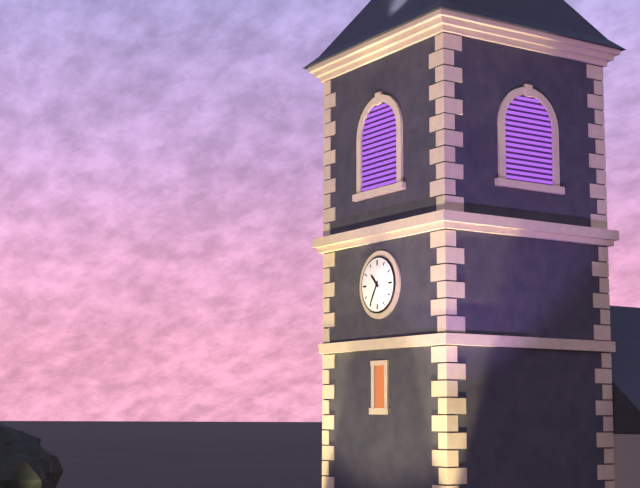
10h35
